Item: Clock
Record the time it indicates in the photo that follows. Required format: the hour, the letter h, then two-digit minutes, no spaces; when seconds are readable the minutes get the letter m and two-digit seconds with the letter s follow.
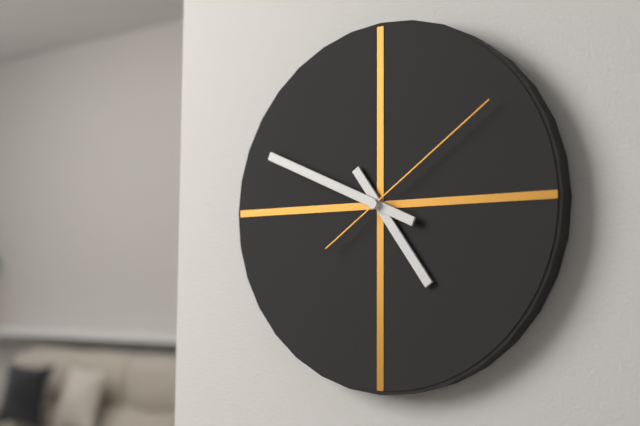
4h49m09s
